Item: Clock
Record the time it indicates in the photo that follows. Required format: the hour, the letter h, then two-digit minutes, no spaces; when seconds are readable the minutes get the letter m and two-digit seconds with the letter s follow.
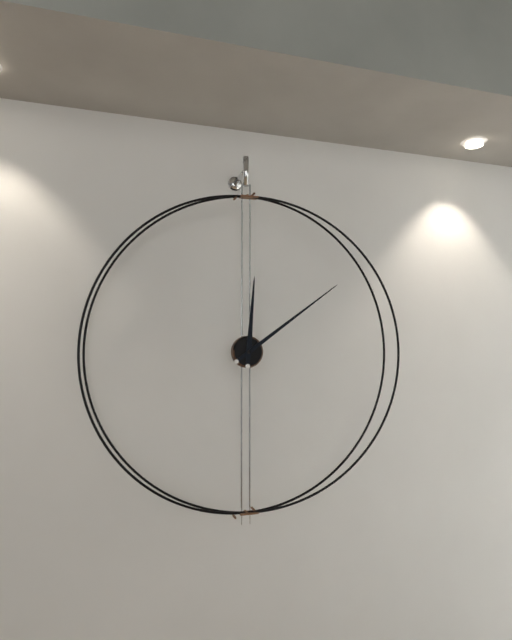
12h09
